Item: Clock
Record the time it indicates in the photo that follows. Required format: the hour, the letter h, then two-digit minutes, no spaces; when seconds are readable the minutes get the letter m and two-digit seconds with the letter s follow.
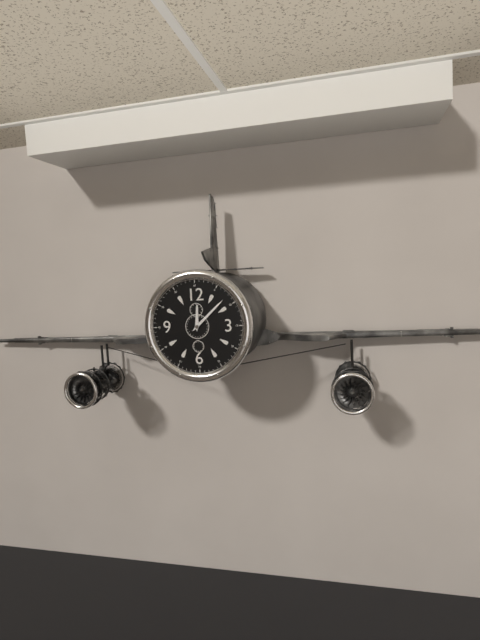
12h08
